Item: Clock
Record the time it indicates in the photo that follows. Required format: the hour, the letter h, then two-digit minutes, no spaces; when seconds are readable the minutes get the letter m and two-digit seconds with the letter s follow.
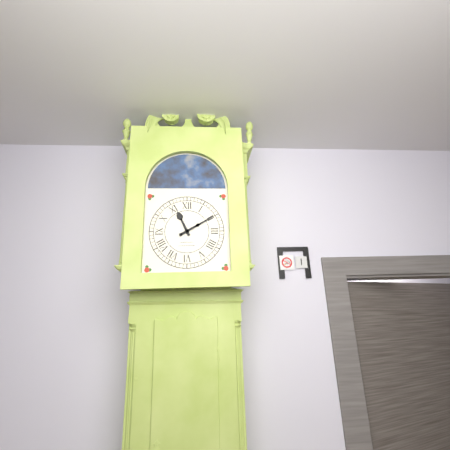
11h10
